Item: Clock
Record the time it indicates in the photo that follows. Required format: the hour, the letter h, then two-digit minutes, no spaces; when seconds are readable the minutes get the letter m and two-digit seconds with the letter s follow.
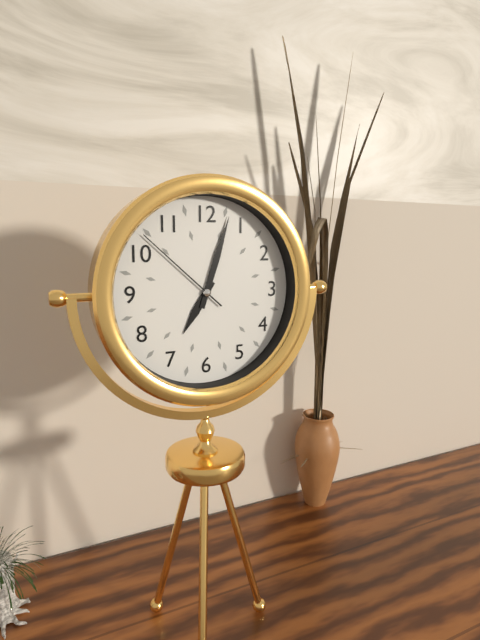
7h03m52s
